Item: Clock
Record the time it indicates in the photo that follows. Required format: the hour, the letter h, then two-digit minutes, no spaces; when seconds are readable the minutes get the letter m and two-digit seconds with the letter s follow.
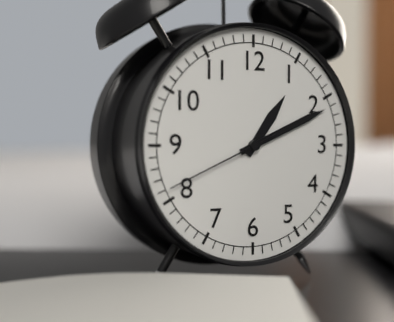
1h11m41s
